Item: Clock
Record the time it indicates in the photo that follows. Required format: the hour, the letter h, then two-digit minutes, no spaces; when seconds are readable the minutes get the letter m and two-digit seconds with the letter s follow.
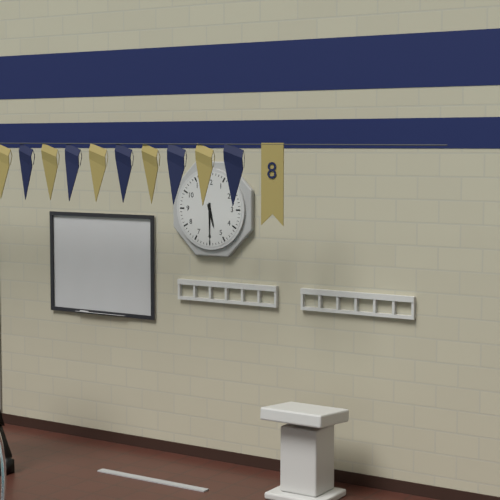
5h30
